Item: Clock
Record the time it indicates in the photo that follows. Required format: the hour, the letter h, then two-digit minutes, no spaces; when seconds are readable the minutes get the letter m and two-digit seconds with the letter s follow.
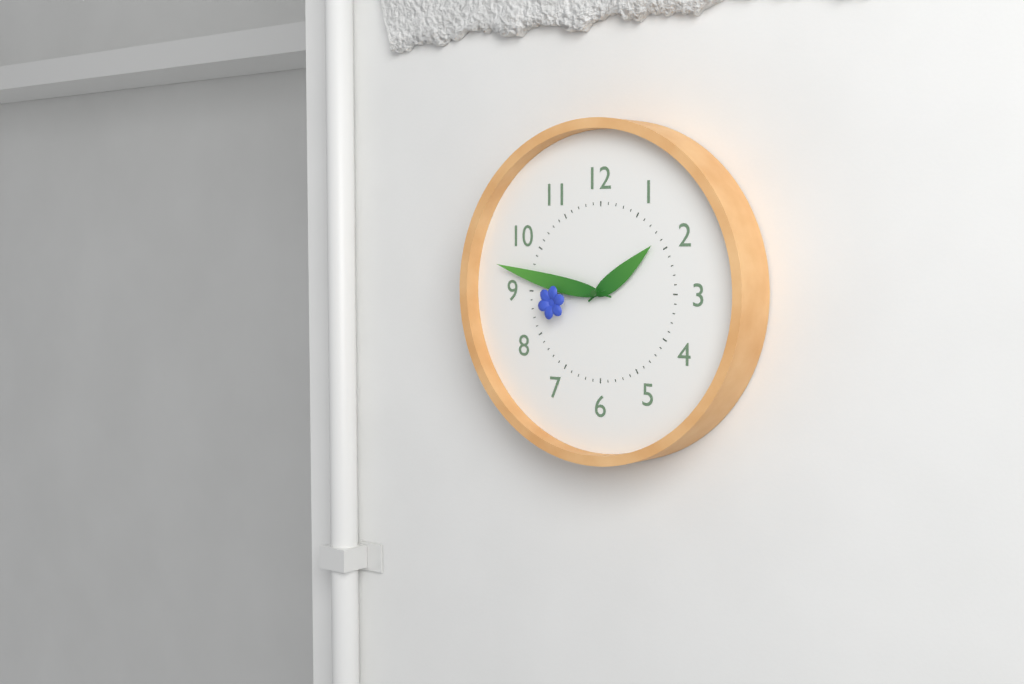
1h47m43s
